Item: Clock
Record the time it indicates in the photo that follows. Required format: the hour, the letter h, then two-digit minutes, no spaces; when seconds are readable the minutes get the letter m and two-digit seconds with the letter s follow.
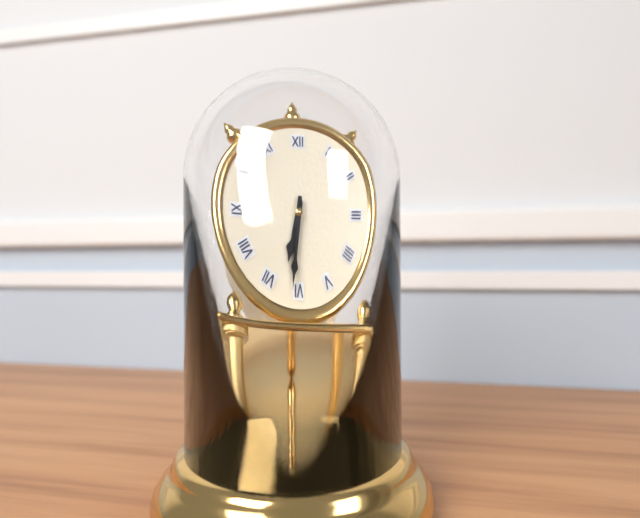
6h31
